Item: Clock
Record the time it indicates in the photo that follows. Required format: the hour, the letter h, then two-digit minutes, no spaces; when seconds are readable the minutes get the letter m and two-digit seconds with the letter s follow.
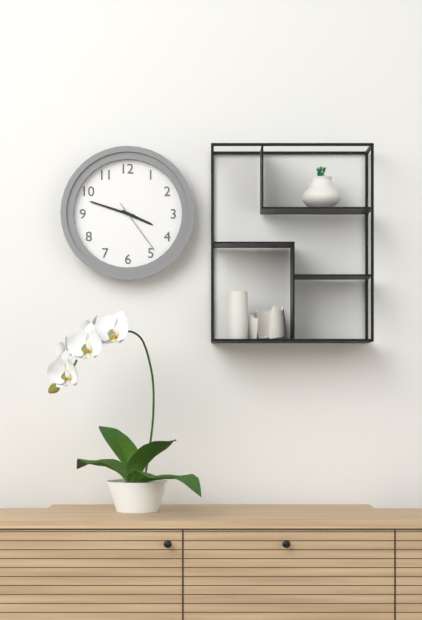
3h48m24s
